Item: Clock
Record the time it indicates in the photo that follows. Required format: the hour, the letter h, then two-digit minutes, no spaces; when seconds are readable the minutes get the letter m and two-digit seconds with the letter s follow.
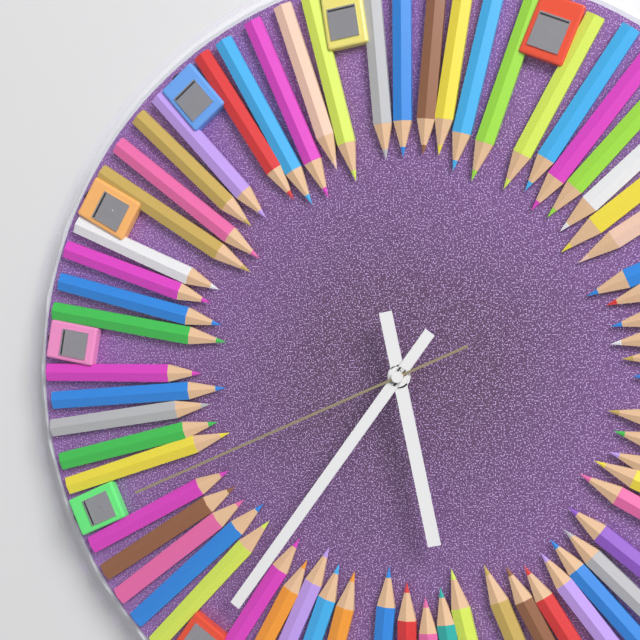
5h36m41s
